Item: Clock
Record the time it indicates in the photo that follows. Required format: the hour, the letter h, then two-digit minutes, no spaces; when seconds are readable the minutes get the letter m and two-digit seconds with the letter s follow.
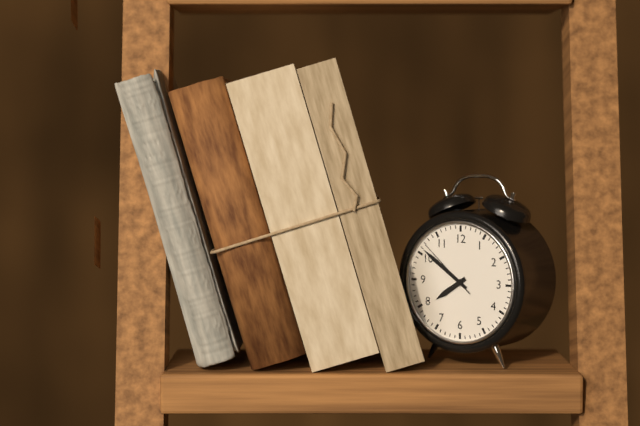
7h51m52s
